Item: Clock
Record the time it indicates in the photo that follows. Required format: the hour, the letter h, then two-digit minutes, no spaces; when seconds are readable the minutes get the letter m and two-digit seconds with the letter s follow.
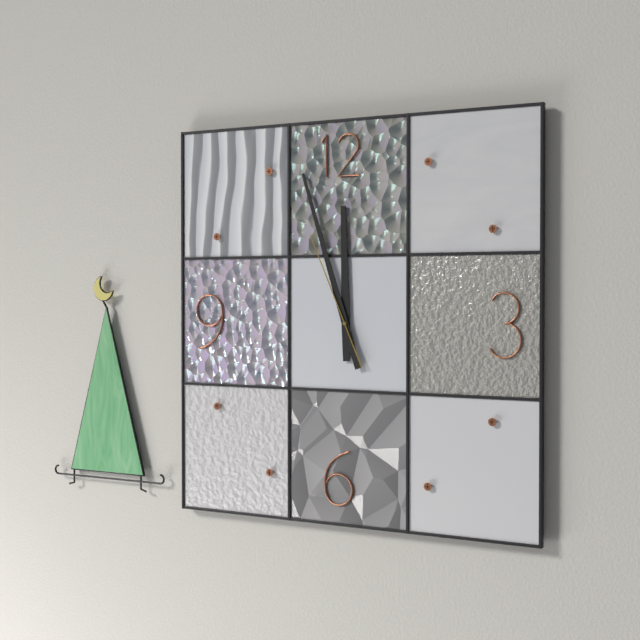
11h57m56s
